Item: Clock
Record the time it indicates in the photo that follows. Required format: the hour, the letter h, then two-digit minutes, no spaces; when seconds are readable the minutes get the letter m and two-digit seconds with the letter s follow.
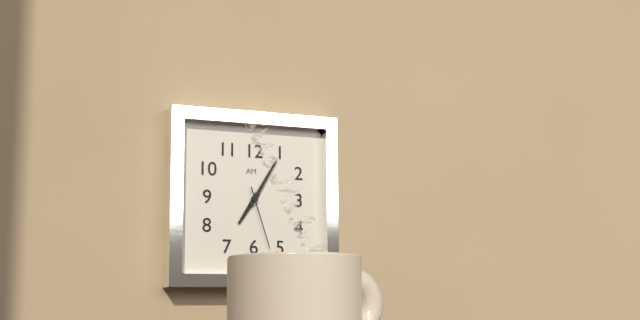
7h05m27s
